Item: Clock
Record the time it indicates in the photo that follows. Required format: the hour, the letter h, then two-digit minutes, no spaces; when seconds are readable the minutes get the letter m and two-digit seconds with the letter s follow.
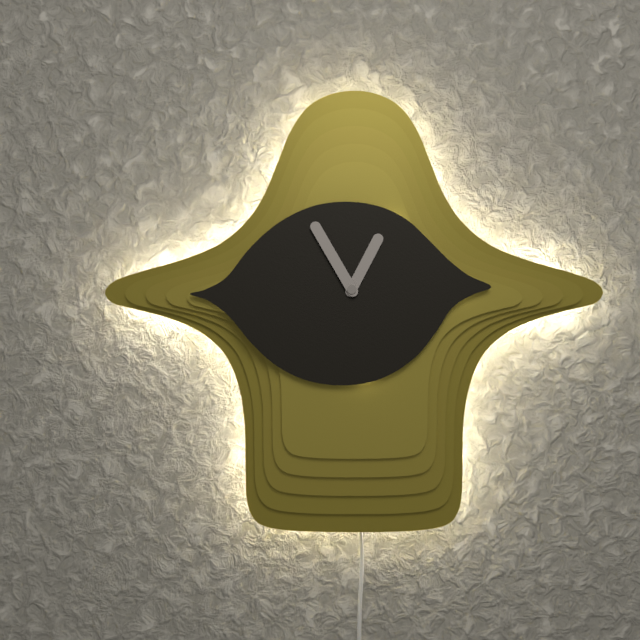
12h55
